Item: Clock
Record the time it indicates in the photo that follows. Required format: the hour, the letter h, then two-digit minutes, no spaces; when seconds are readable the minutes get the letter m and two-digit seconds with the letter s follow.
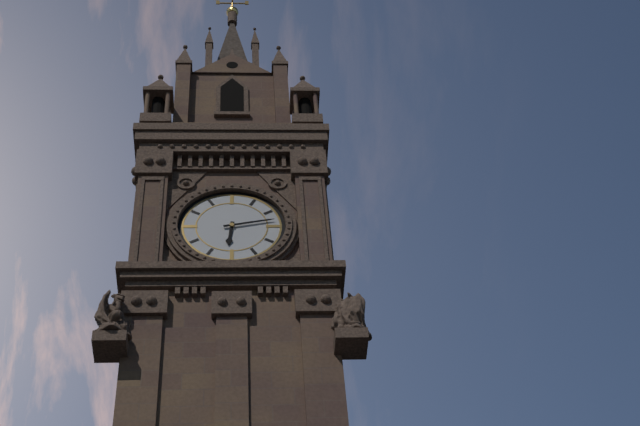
6h13
